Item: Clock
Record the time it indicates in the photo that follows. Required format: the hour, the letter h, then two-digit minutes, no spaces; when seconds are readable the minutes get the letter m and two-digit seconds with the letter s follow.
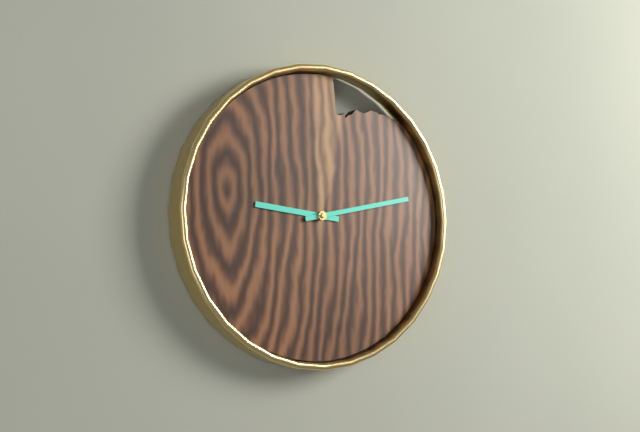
9h13
